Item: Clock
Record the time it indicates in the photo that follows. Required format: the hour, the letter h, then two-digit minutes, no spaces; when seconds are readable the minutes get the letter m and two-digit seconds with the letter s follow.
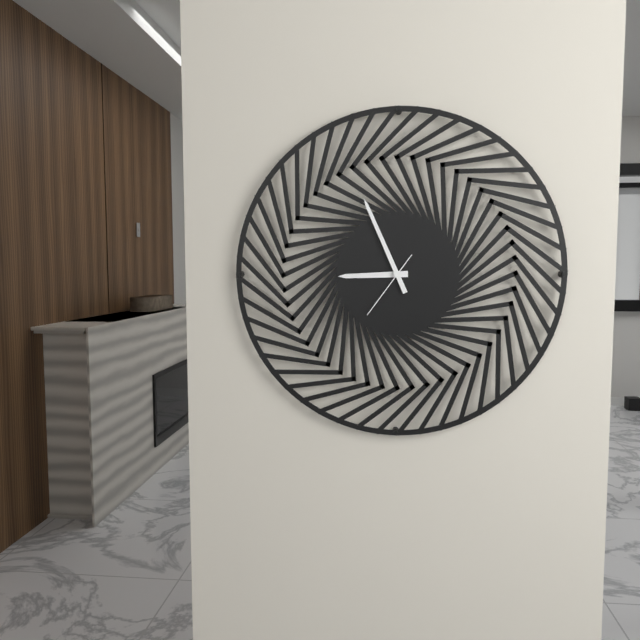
8h56m36s
